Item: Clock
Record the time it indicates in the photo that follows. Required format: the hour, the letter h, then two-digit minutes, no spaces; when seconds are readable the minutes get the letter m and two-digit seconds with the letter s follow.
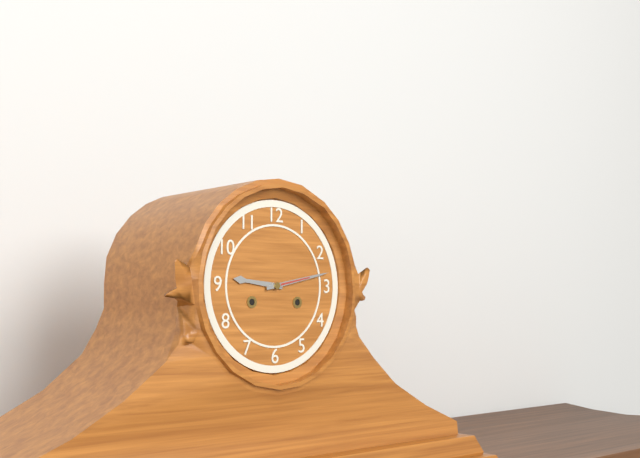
9h13
